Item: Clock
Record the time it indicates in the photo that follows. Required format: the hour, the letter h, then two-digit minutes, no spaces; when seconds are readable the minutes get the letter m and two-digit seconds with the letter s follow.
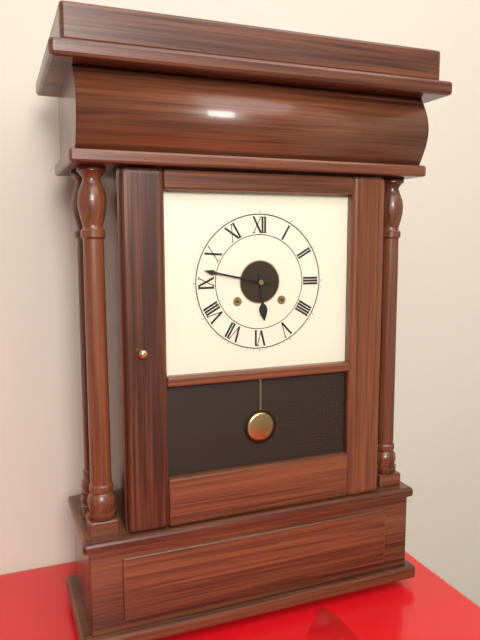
5h47
